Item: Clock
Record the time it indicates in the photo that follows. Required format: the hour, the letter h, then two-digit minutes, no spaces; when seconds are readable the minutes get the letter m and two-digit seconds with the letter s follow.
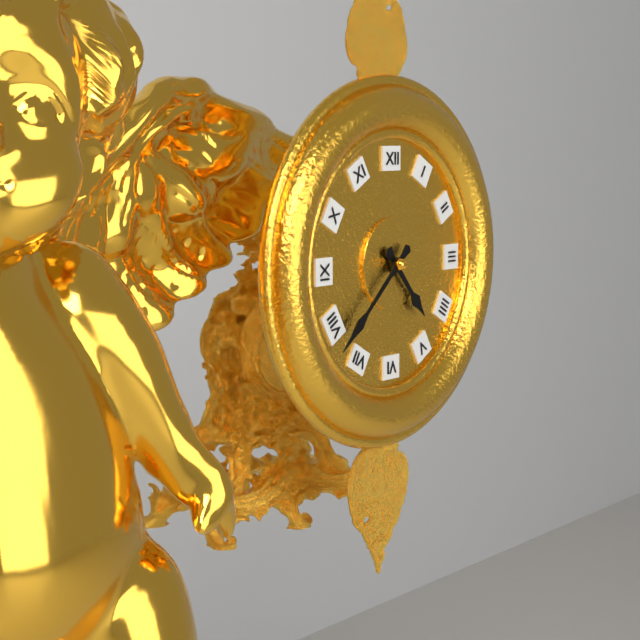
4h38
